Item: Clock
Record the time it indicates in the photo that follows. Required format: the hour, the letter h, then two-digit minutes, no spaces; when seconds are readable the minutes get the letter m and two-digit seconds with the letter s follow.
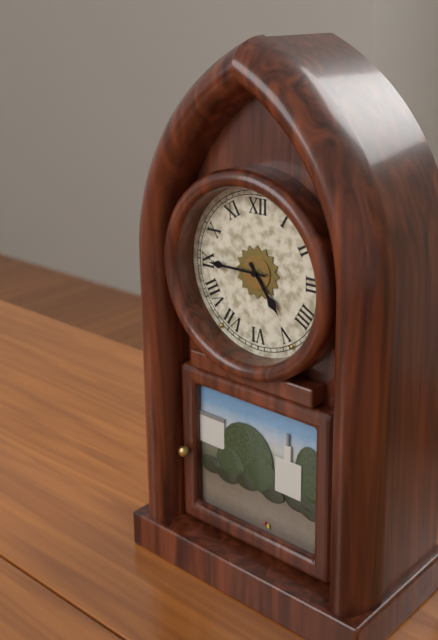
4h45
